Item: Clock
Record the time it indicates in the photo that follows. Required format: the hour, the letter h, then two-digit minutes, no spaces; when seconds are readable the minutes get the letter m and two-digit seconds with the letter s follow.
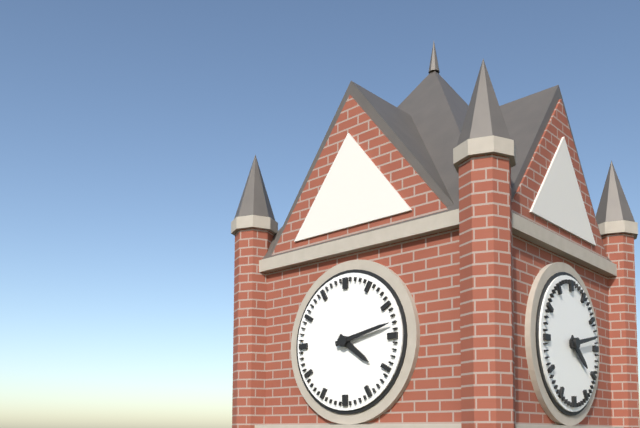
4h13
